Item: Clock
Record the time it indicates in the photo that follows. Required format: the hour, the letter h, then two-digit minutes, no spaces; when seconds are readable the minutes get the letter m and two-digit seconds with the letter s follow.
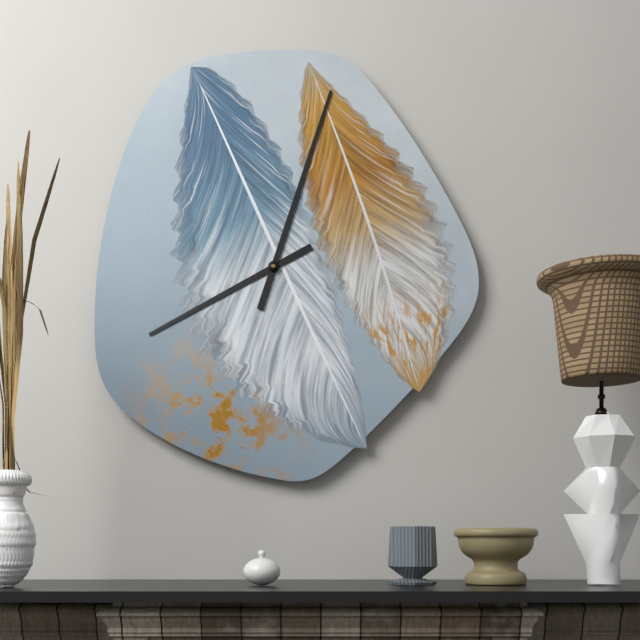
8h03
